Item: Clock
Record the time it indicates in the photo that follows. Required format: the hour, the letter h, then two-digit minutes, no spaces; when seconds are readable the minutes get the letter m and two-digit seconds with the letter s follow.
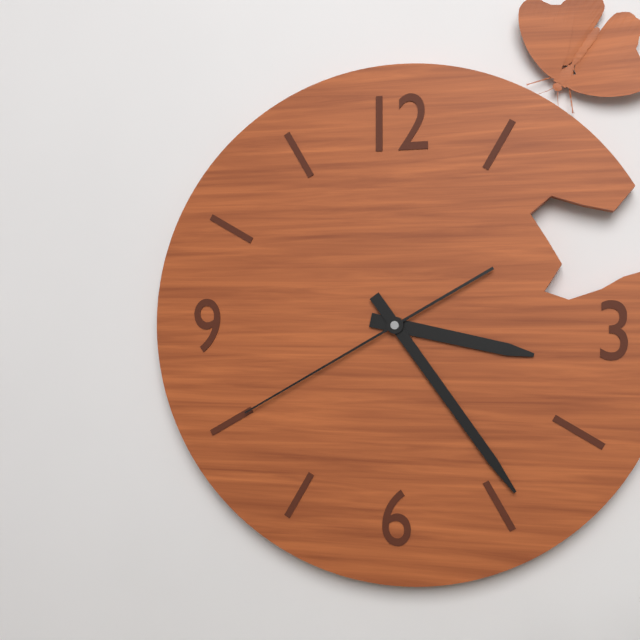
3h24m40s
